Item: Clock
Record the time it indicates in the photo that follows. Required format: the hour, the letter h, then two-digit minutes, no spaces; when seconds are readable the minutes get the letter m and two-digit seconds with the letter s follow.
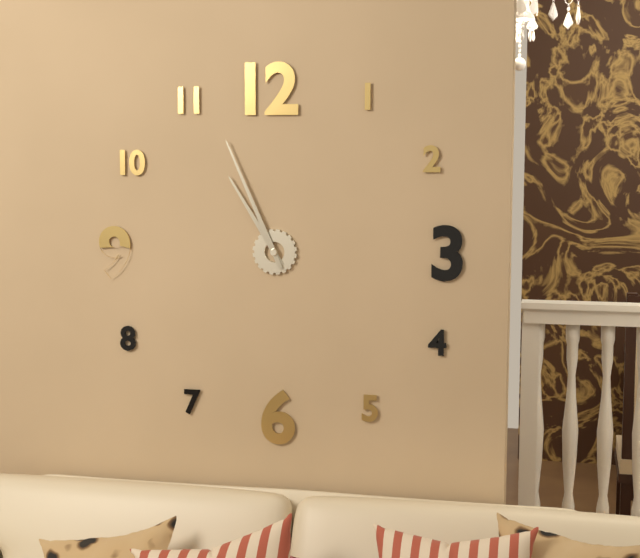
10h56
